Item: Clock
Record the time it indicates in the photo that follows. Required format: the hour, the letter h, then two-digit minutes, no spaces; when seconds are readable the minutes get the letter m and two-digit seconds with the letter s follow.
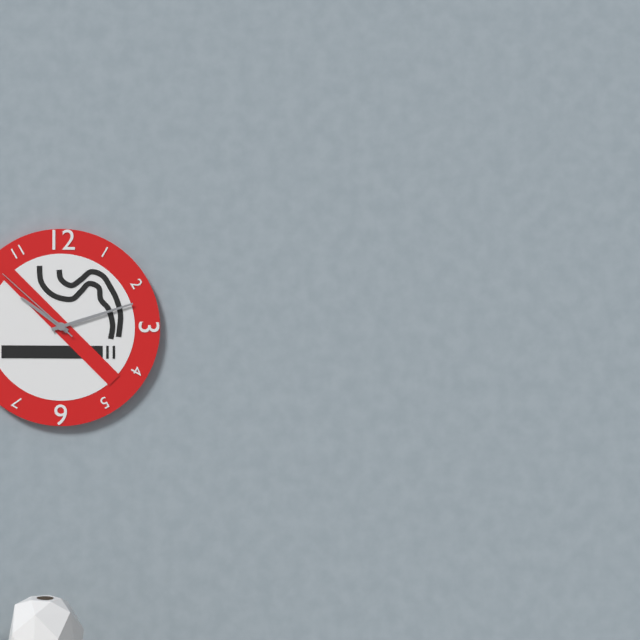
10h12m52s
